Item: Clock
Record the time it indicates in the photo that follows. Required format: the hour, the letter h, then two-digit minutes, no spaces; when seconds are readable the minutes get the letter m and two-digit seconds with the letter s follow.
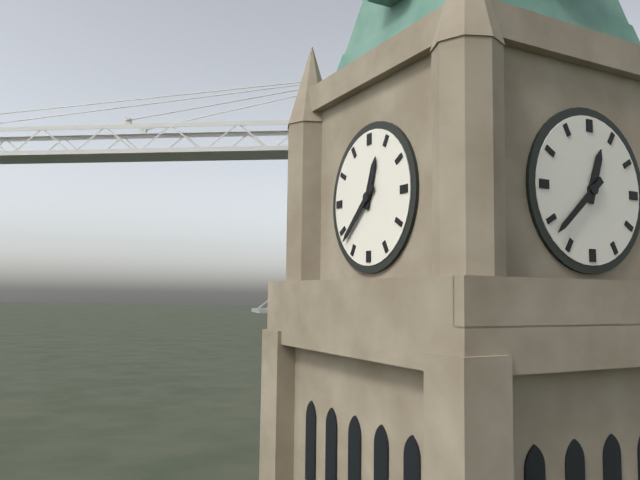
12h38
